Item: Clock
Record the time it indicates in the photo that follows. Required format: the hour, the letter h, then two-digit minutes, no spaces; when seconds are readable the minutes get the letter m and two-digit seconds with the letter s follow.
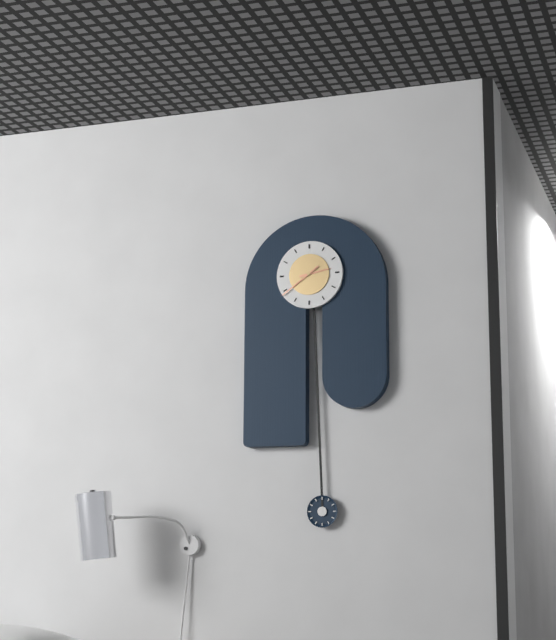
2h39
